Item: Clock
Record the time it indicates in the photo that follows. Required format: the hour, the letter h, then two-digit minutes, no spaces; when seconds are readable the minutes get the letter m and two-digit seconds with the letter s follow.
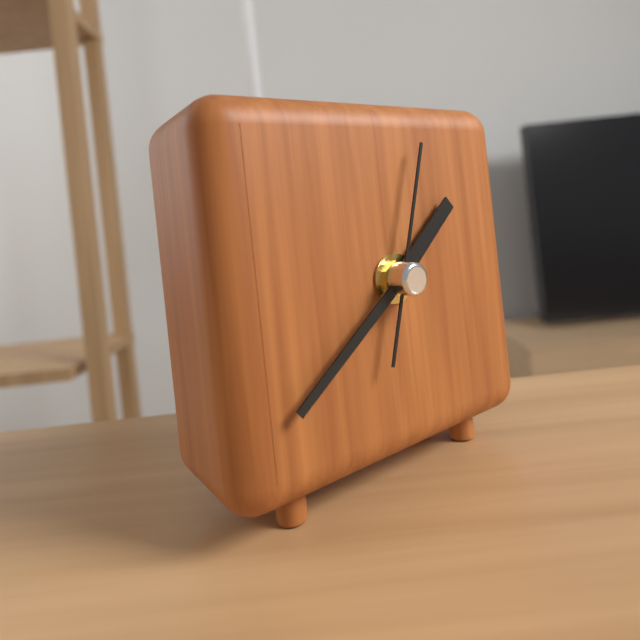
1h39m03s
